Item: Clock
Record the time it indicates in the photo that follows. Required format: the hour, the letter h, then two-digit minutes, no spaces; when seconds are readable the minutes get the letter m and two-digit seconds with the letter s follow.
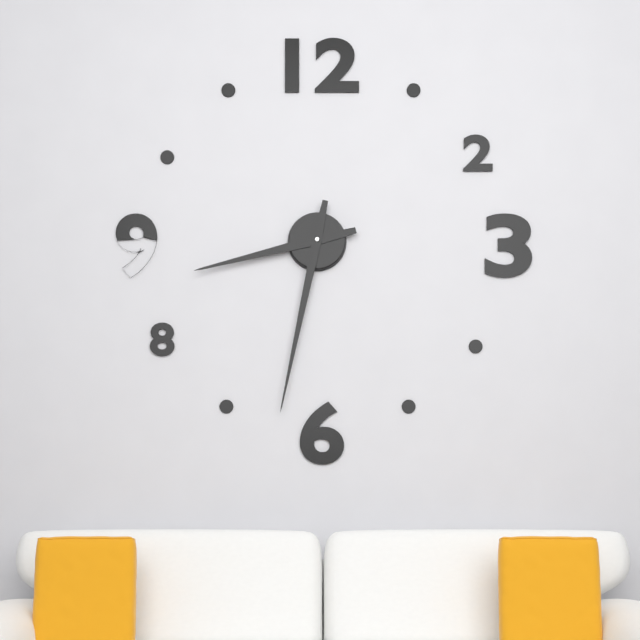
8h32
